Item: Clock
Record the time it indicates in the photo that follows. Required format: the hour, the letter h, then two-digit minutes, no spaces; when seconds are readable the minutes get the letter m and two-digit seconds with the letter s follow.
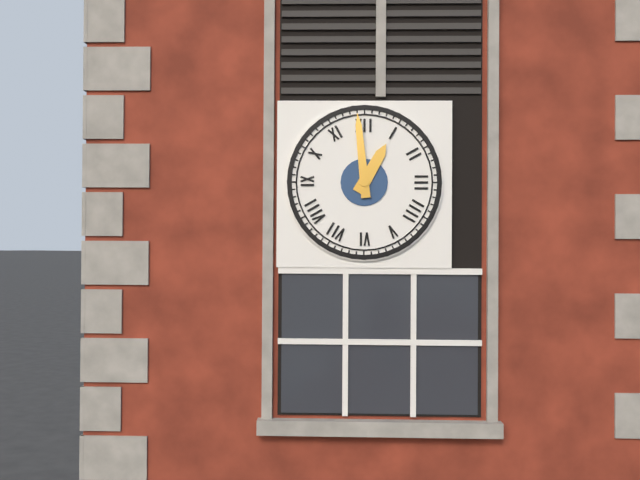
12h59
